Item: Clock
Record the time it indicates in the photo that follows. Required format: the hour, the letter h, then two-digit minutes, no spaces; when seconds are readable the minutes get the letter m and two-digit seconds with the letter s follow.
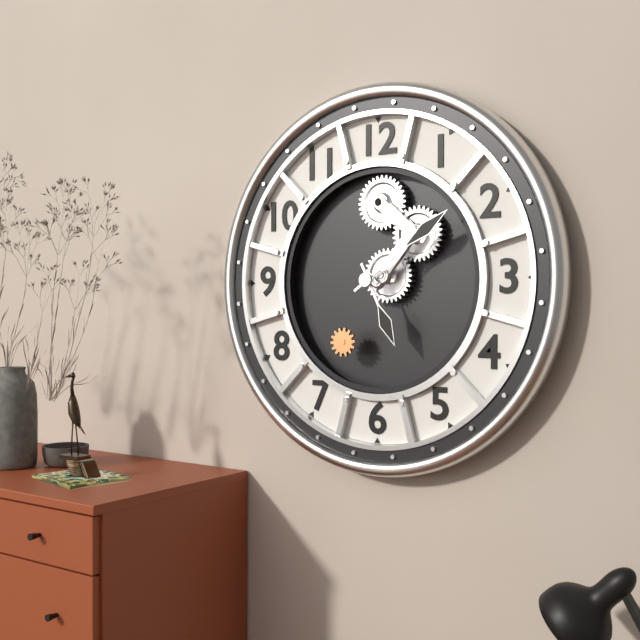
5h09
